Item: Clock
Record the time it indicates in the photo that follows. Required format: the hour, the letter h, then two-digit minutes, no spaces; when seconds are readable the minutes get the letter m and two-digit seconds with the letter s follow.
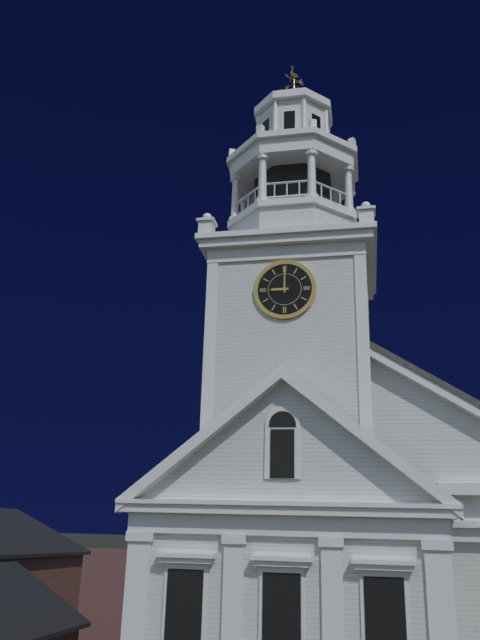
9h00
